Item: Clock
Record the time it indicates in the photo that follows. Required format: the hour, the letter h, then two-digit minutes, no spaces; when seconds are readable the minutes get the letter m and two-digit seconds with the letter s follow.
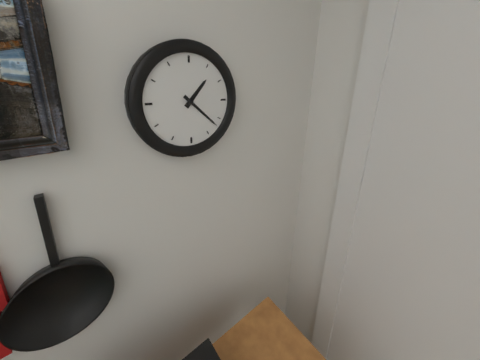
1h22
